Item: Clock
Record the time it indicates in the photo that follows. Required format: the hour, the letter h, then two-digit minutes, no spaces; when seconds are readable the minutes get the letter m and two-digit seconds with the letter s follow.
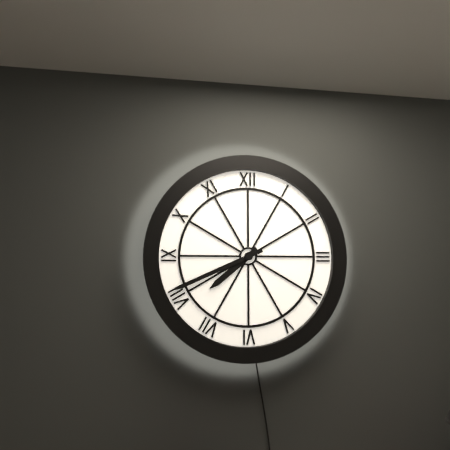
7h41
